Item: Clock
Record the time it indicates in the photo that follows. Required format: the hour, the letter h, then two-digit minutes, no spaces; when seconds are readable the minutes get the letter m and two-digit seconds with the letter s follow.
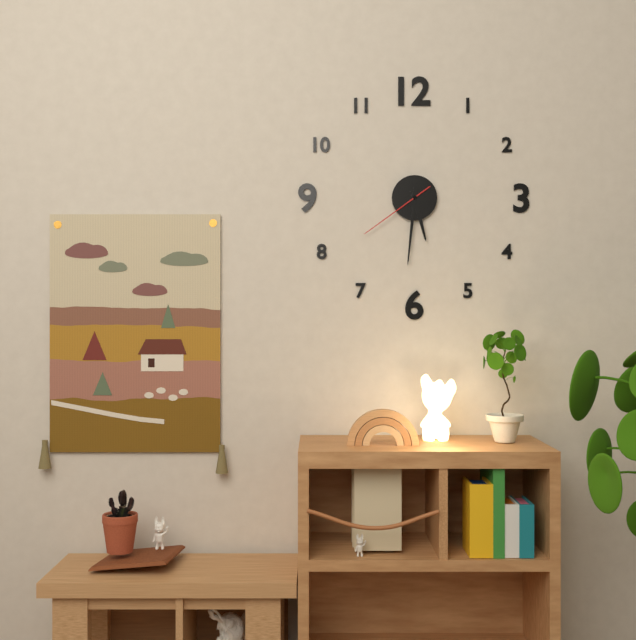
5h31m39s
